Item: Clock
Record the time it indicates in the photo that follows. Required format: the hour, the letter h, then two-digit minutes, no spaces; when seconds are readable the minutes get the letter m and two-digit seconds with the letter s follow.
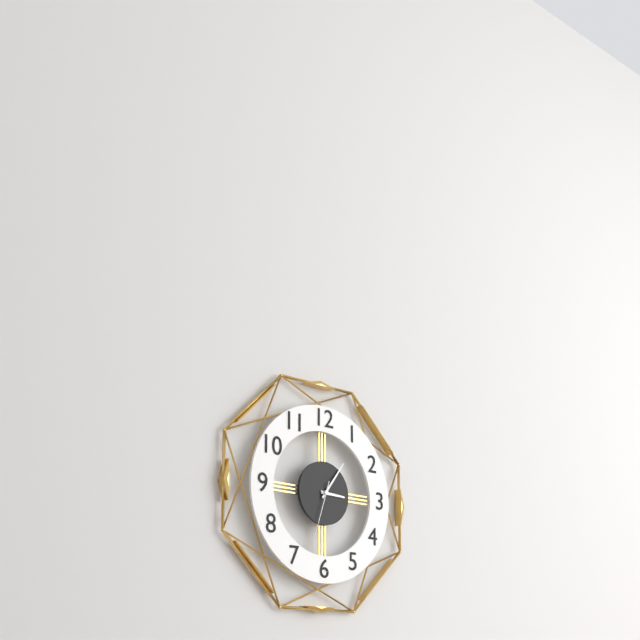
3h06
